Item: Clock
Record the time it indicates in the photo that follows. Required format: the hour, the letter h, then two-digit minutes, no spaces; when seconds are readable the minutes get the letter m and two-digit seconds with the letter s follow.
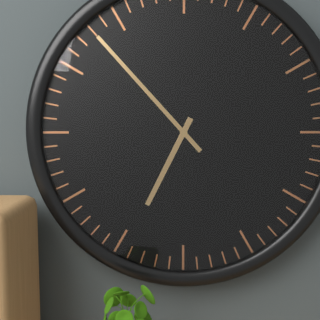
6h53
